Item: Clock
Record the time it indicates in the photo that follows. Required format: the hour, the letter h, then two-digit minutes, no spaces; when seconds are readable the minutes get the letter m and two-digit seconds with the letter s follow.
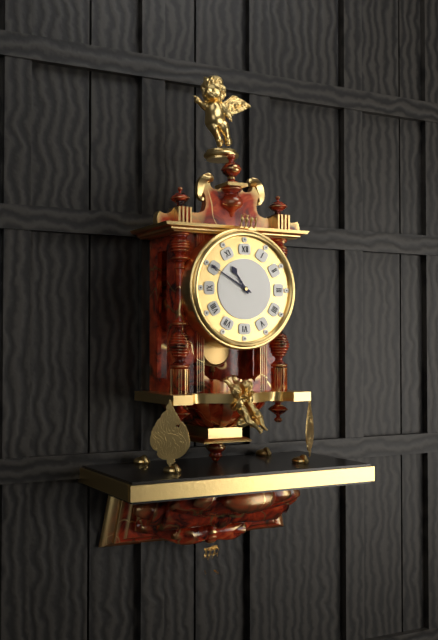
10h50
